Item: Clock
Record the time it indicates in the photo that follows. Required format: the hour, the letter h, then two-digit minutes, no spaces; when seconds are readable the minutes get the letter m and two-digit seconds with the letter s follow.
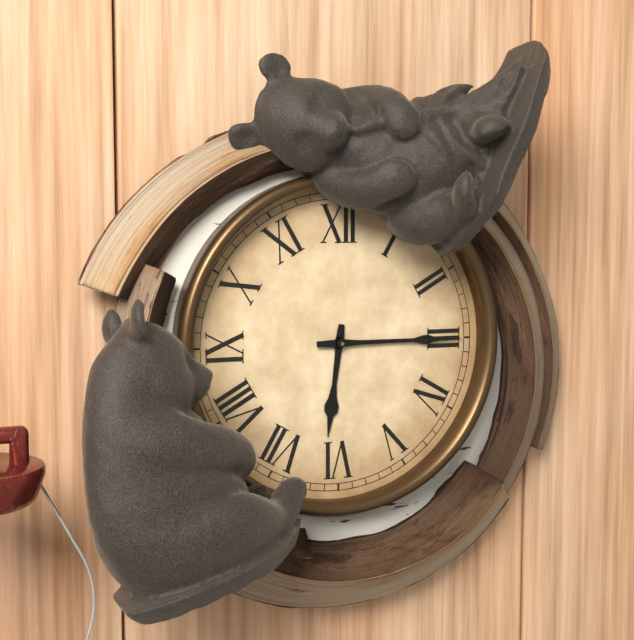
6h15
